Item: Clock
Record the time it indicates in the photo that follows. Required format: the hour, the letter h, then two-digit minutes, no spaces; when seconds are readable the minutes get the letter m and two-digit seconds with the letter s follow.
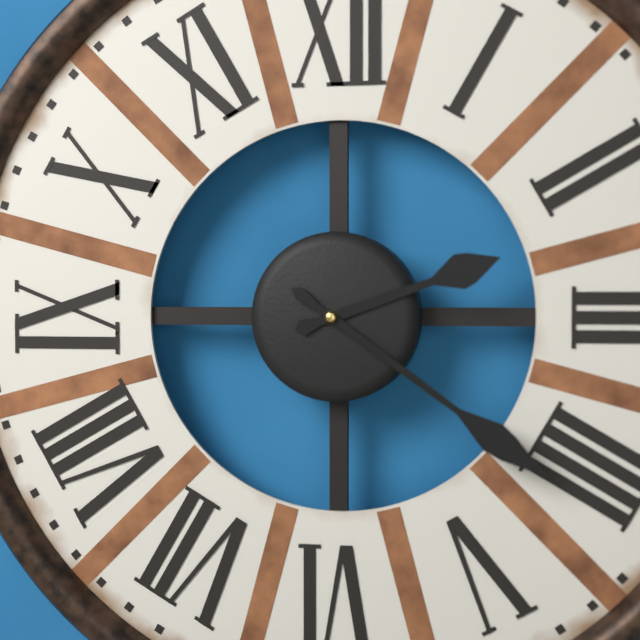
2h21
